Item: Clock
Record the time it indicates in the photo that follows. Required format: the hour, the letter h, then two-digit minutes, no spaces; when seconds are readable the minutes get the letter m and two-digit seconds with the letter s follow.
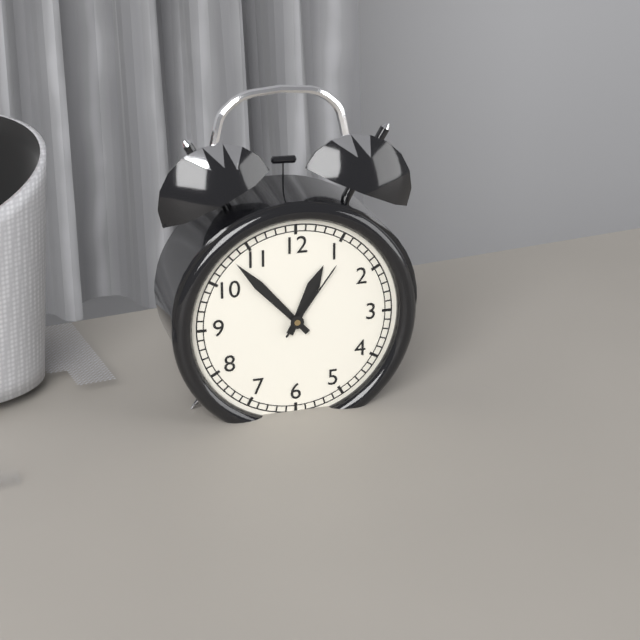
12h53m06s
